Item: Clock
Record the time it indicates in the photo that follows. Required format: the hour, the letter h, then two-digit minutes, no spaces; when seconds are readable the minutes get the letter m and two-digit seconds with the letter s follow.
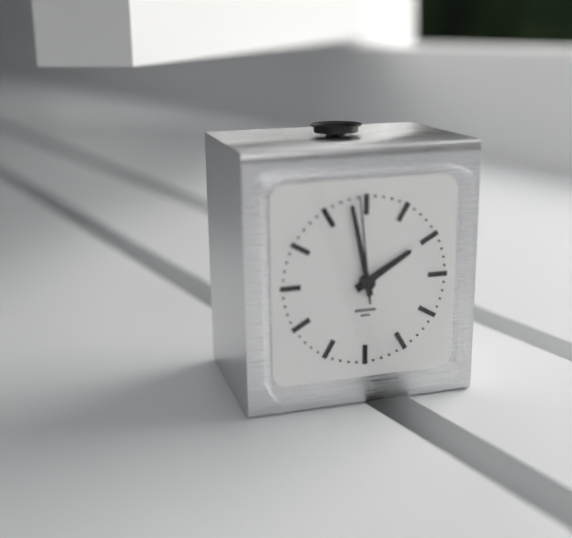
1h58m59s
